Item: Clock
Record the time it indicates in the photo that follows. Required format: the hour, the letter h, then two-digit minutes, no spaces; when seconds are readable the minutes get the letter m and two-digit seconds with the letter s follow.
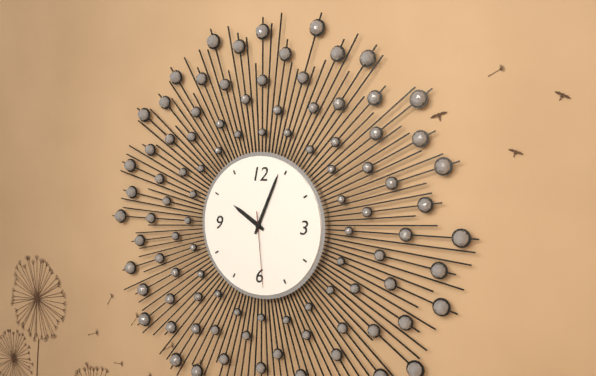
10h04m29s
